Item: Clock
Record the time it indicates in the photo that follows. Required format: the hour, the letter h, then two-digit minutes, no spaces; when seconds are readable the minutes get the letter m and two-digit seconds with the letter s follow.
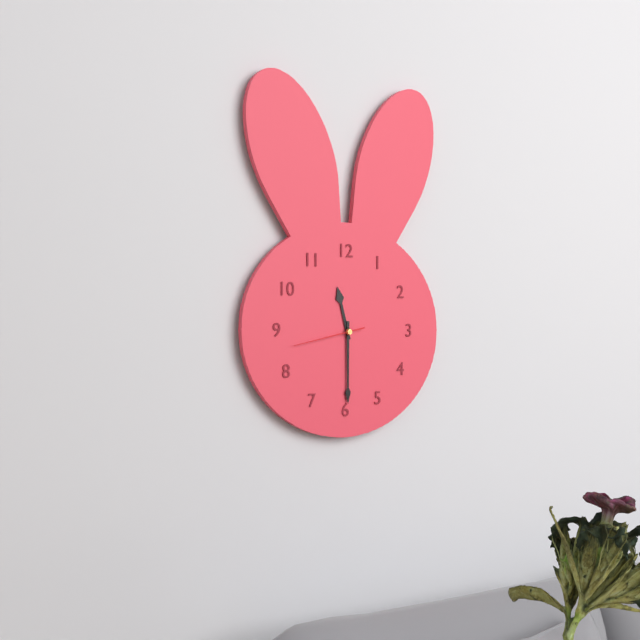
11h30m43s
